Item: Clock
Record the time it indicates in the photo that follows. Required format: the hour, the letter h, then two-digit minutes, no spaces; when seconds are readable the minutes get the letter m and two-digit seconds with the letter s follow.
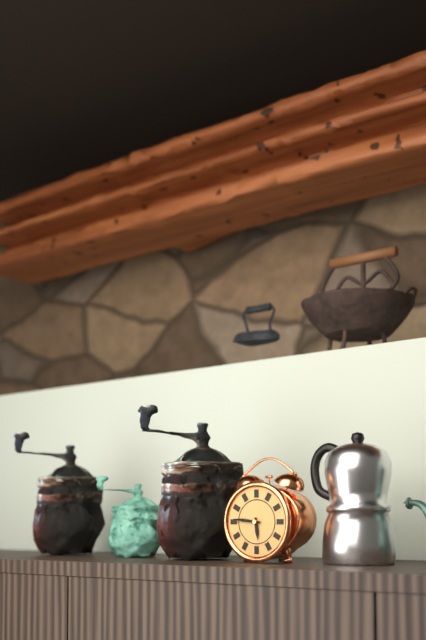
5h46
